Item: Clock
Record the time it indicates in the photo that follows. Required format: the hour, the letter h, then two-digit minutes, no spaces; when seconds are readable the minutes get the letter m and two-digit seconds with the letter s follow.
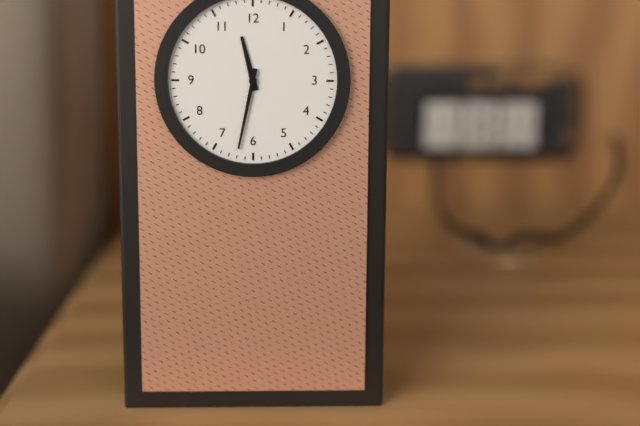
11h32
